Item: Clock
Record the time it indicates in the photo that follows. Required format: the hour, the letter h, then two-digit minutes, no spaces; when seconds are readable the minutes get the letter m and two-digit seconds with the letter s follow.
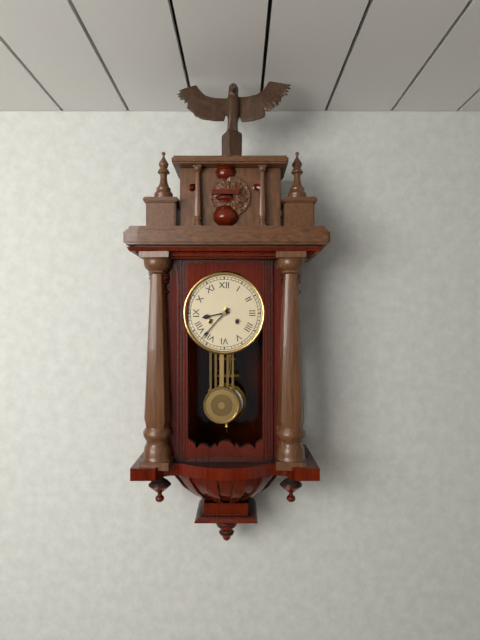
8h37
